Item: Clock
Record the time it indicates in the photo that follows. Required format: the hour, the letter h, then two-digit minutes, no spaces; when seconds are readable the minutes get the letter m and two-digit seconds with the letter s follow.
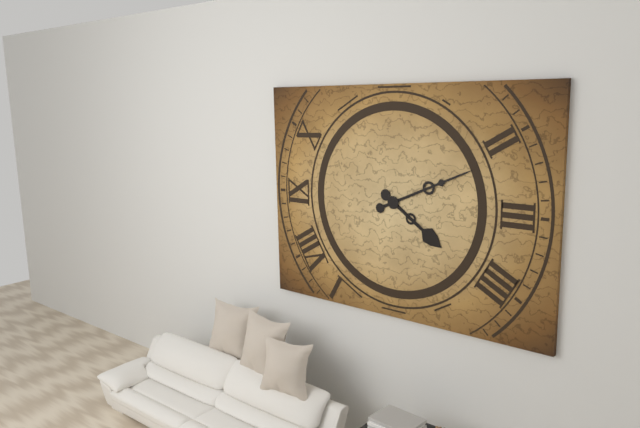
4h11
